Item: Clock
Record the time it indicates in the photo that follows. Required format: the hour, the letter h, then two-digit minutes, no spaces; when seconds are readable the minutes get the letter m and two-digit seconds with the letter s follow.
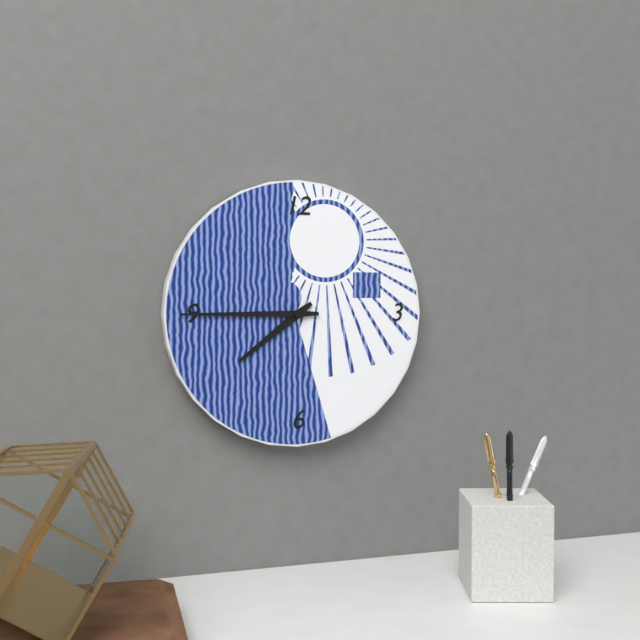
7h45
